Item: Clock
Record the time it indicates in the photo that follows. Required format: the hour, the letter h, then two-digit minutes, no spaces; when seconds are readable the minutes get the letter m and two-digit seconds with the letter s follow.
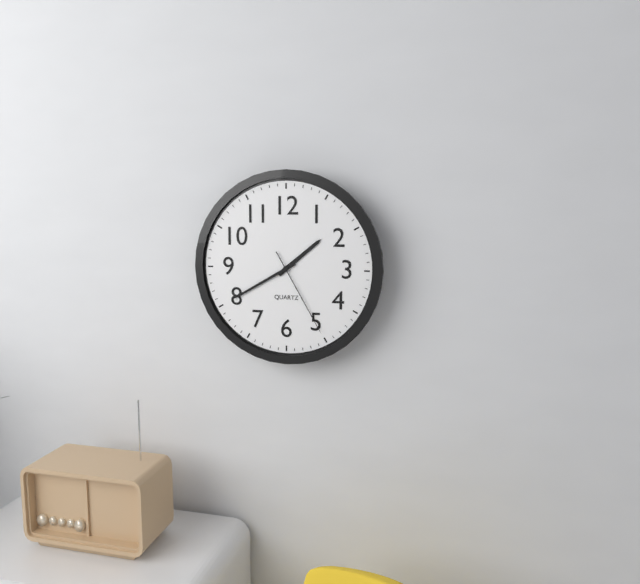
1h40m25s
